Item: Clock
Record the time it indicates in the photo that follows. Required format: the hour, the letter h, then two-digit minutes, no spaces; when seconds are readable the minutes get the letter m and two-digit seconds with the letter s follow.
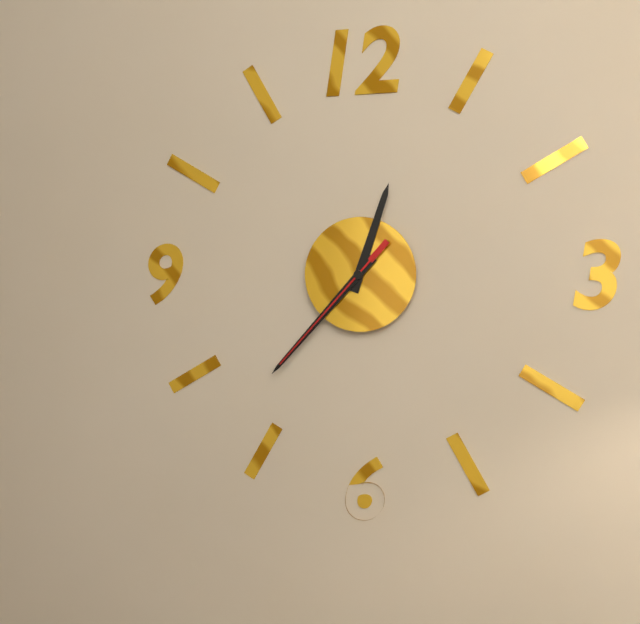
12h37m37s
